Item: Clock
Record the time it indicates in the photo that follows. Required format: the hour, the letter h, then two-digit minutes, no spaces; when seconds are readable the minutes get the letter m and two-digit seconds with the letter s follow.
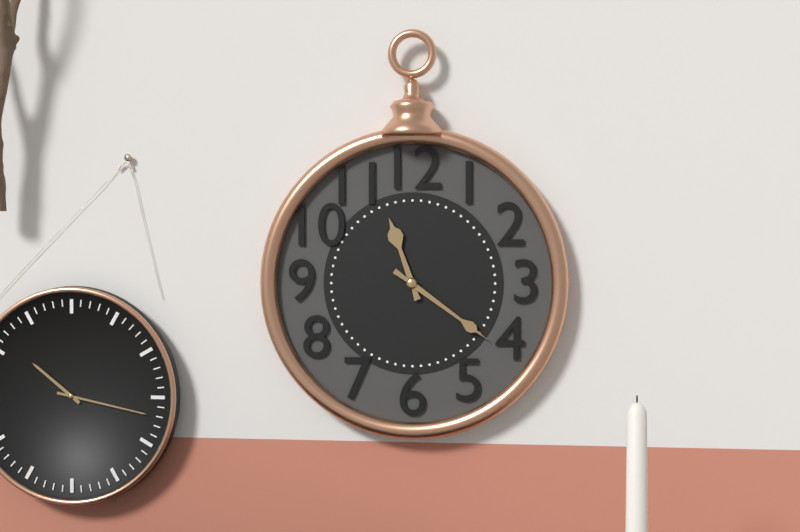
11h21
